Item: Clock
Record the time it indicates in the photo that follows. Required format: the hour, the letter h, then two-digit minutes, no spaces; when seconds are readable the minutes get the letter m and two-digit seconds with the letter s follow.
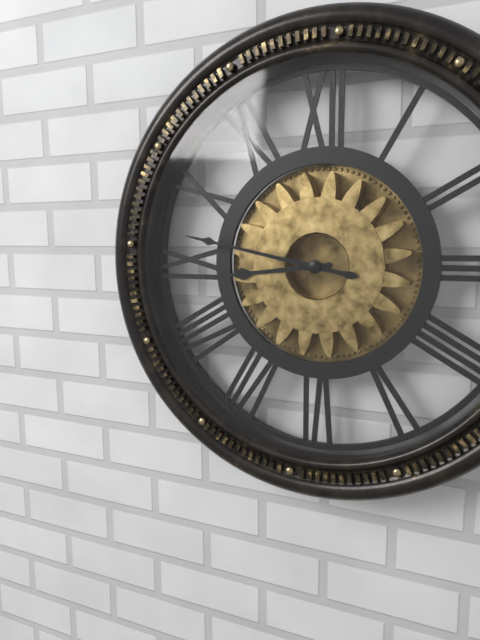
8h47
